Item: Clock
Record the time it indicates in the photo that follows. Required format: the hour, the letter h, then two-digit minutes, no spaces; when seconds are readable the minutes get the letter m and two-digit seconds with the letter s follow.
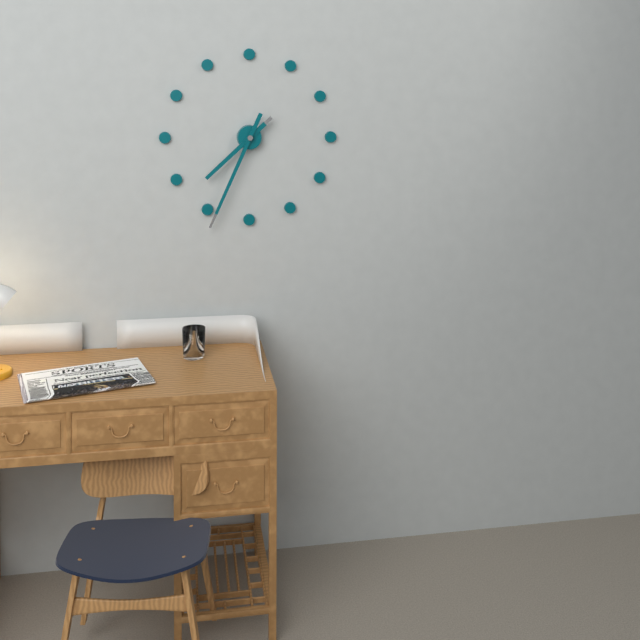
7h34
